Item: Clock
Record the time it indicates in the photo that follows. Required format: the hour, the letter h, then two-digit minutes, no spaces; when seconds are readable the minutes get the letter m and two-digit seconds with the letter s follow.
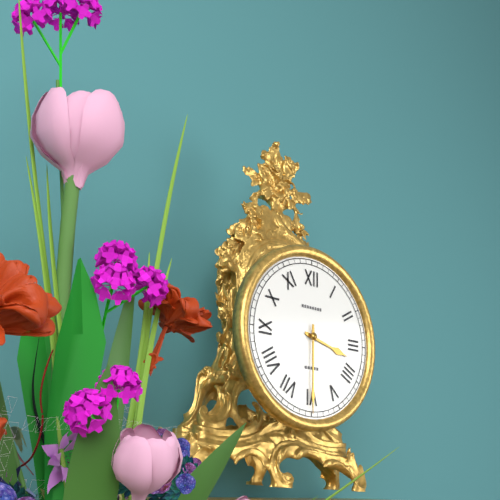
3h30
